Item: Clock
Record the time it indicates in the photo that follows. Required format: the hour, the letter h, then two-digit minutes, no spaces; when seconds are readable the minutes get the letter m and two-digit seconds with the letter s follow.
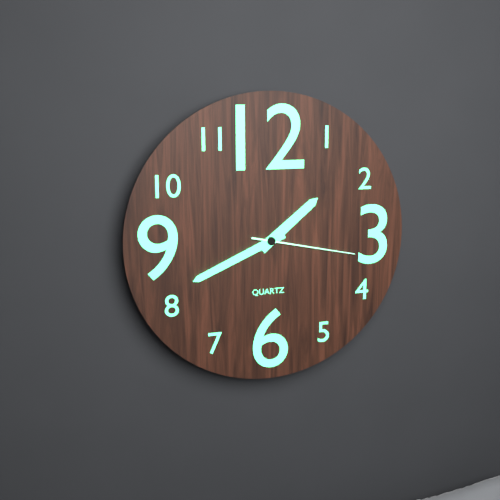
1h41m17s
